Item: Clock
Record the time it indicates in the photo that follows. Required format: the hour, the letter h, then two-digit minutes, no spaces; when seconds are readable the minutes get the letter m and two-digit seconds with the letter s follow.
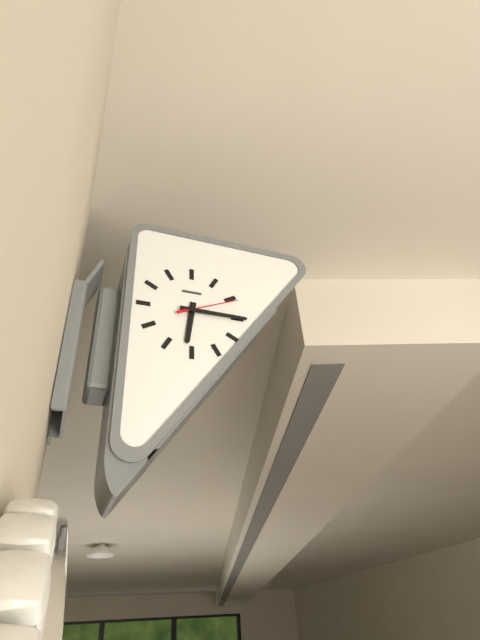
6h15m11s
